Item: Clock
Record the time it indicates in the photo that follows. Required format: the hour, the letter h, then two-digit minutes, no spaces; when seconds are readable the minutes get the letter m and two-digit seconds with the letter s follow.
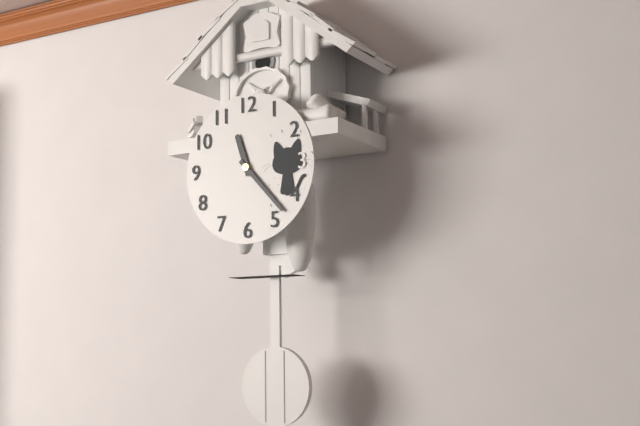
11h23
